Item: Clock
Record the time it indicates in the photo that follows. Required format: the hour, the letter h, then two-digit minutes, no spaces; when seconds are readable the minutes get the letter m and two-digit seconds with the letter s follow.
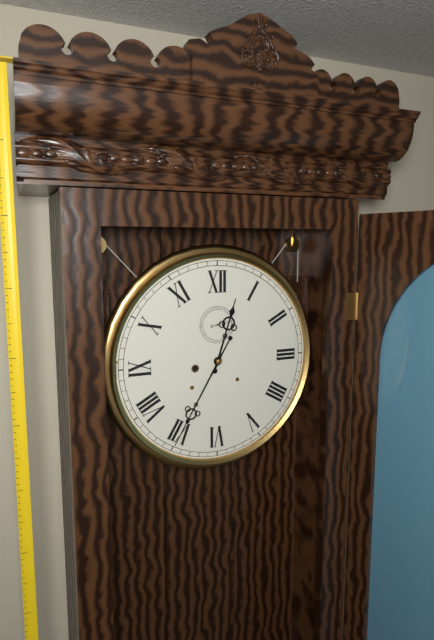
12h35
